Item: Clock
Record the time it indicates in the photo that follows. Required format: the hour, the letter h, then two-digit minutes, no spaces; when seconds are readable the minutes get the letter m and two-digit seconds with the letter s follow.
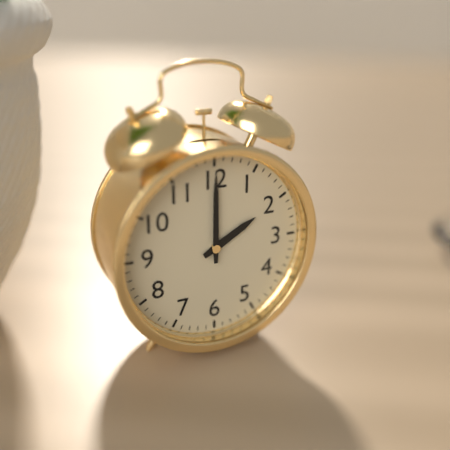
2h00
